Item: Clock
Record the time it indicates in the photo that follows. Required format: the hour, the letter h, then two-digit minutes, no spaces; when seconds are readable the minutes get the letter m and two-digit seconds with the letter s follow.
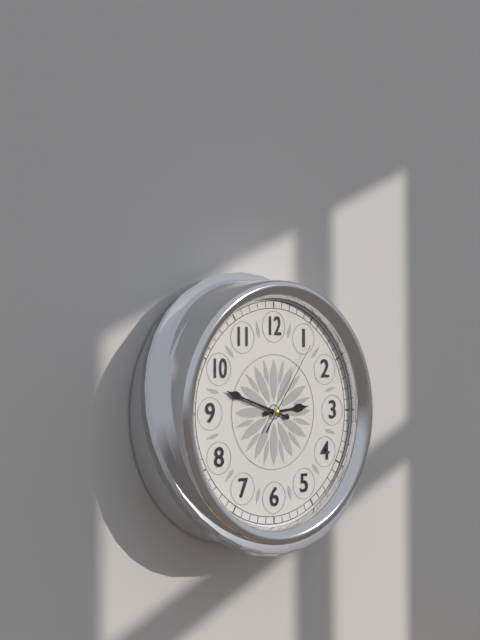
2h48m06s
